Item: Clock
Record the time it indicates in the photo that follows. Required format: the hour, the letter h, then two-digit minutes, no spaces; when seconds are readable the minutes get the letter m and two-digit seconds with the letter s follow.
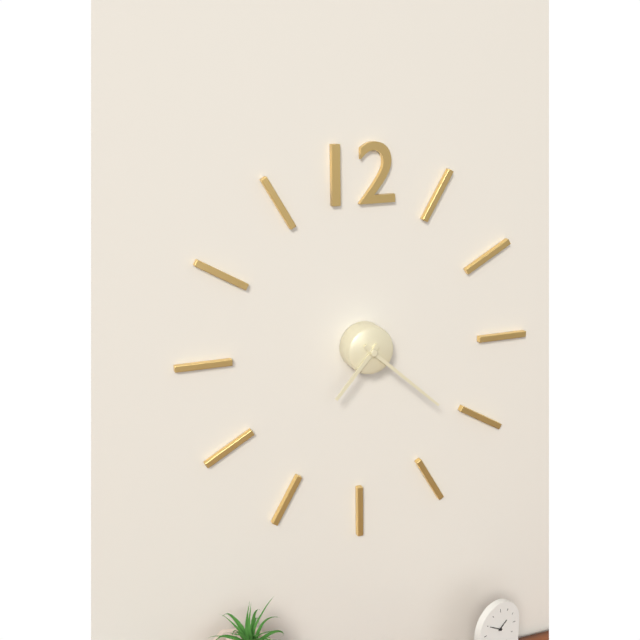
7h22
